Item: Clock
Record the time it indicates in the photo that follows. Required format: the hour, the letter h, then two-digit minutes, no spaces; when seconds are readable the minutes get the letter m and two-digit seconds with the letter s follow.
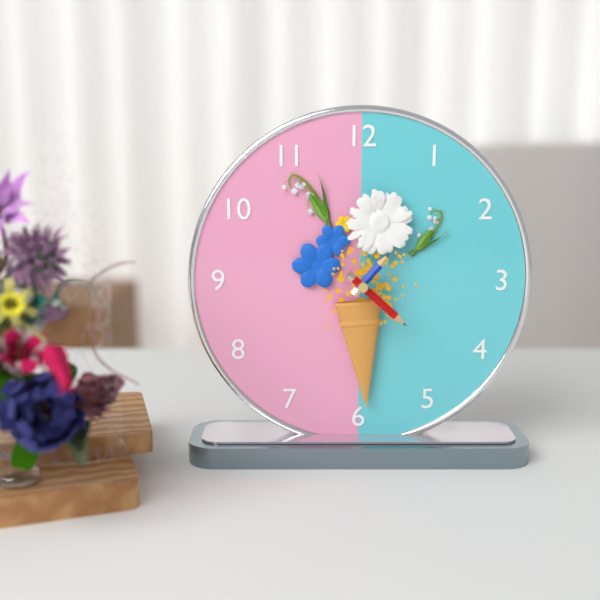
1h22
